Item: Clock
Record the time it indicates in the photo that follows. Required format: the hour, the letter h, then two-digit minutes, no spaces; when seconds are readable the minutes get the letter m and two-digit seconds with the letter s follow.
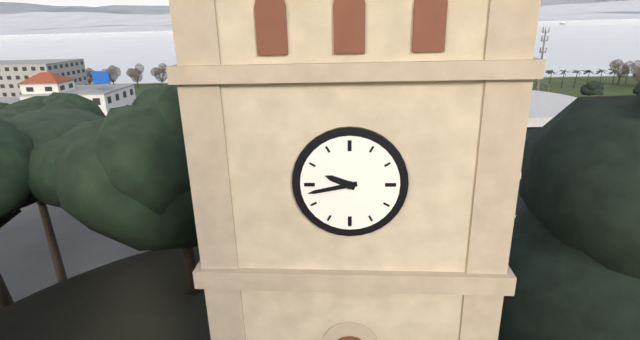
9h43
